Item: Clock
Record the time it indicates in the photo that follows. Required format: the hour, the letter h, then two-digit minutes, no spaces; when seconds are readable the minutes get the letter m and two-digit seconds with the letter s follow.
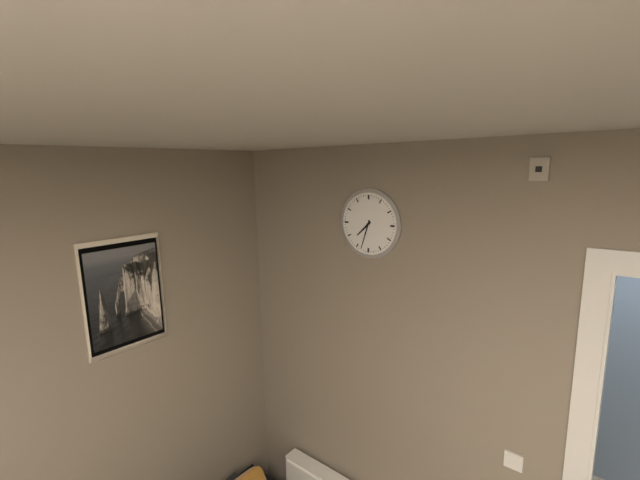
7h33
